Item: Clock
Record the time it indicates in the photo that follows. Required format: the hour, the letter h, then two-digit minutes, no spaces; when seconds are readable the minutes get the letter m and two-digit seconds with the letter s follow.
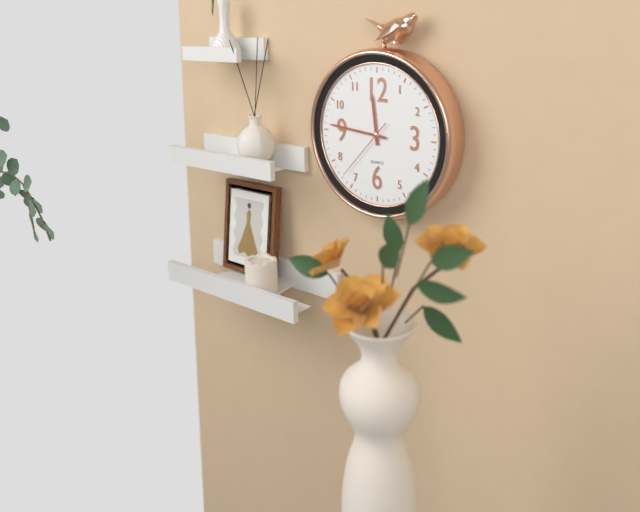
11h46m37s
